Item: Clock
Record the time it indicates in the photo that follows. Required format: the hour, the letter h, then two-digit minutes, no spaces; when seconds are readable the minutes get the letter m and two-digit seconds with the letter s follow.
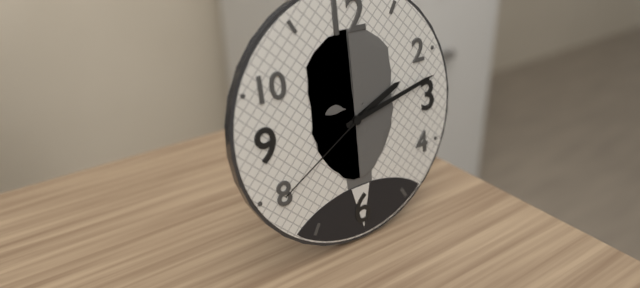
2h13m40s
